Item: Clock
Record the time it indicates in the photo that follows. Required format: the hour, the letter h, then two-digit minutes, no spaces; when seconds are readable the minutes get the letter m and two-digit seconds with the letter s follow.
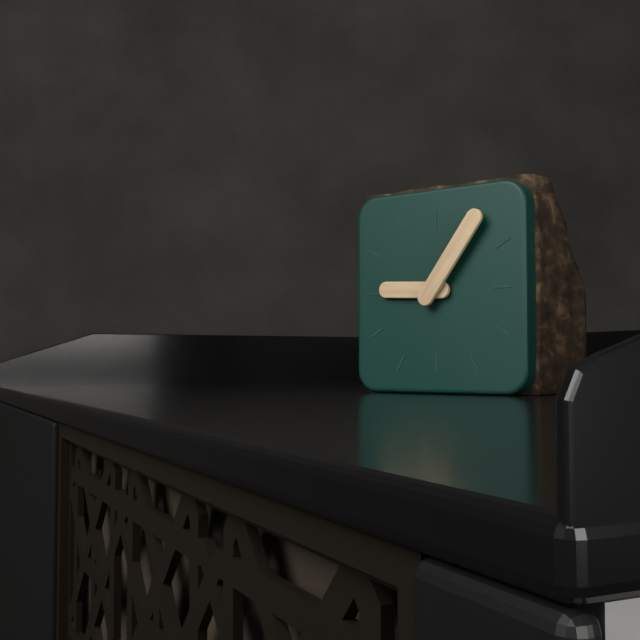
9h06
